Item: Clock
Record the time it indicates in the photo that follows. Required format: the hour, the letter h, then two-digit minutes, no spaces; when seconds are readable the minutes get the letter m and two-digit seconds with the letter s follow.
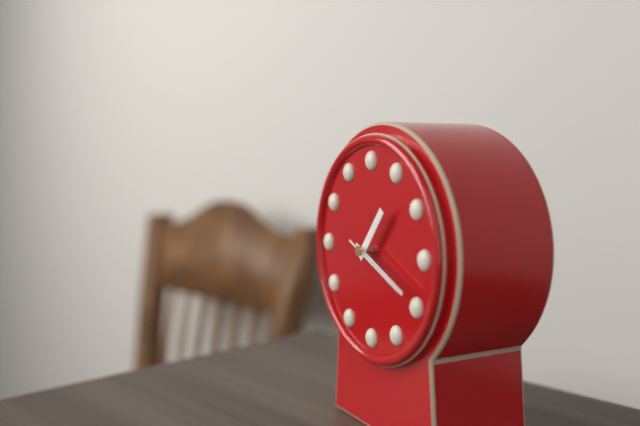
1h19m19s
